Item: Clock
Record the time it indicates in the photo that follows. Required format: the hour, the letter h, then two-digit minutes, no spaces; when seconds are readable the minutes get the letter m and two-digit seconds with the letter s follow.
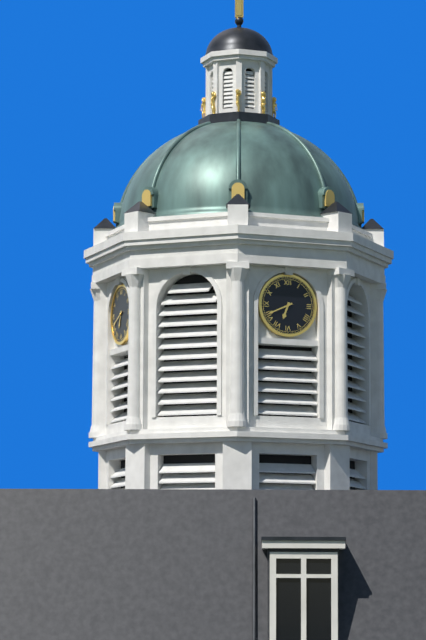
6h41
